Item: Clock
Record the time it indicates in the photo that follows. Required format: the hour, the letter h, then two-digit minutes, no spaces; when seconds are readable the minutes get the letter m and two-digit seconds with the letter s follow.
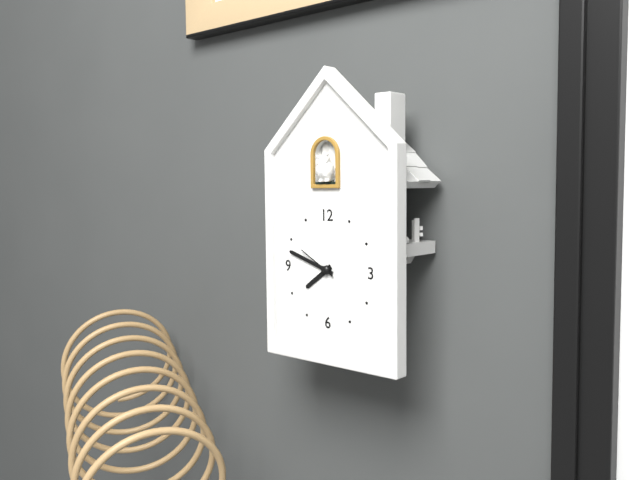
7h48m50s
